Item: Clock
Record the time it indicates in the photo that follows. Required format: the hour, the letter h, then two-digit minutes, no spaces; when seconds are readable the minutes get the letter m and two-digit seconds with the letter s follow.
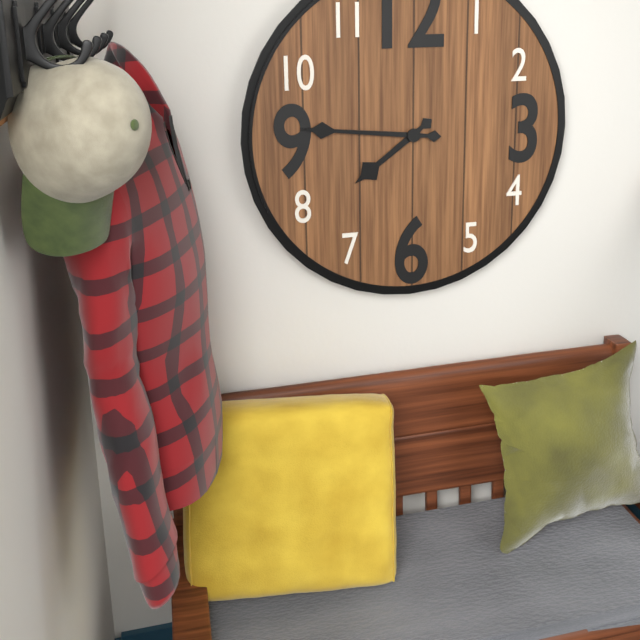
7h46
